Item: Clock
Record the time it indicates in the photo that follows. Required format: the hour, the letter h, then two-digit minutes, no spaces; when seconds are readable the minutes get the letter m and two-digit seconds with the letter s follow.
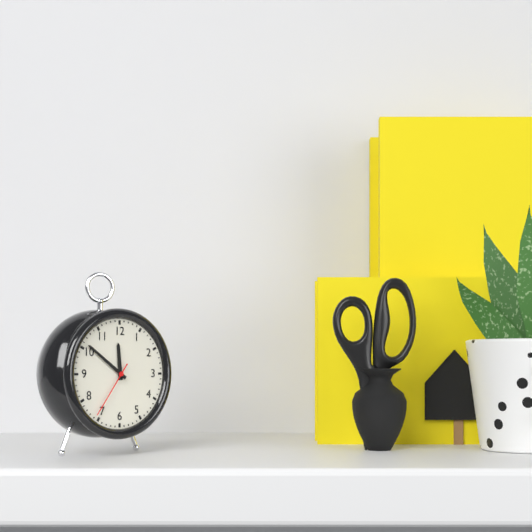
11h51m36s
